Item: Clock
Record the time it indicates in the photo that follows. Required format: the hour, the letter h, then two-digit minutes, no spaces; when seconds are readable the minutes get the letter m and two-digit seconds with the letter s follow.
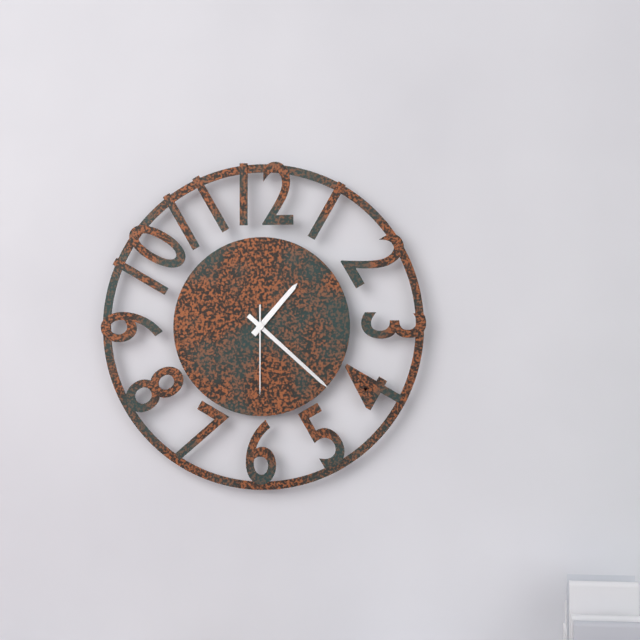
1h22m30s
